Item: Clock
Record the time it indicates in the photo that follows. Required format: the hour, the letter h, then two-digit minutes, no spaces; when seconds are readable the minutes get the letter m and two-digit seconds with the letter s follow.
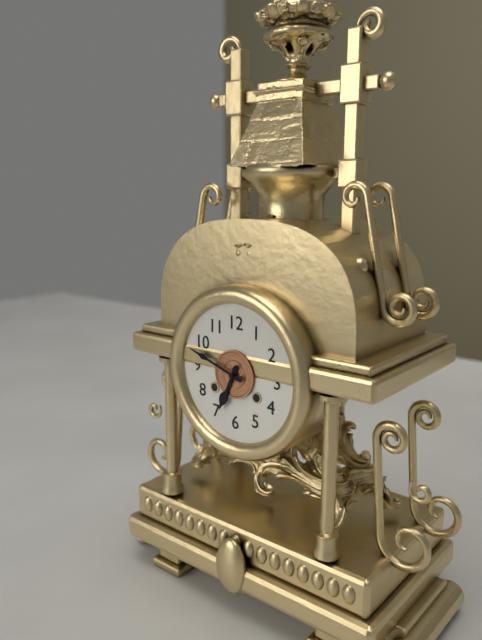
6h48
